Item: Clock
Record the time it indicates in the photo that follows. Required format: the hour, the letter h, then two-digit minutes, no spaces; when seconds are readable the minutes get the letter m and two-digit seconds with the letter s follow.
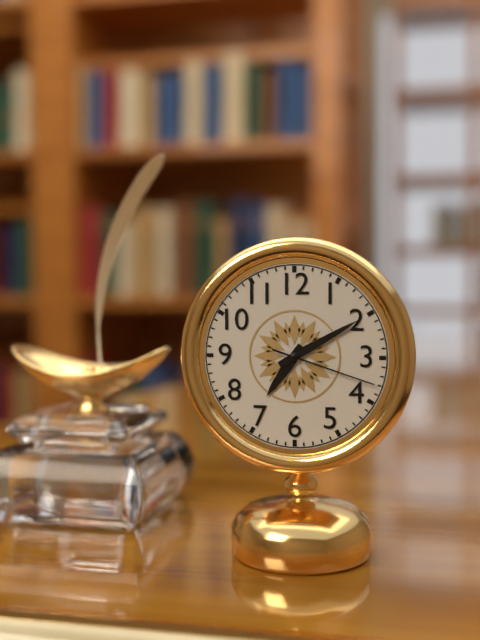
7h10m18s
